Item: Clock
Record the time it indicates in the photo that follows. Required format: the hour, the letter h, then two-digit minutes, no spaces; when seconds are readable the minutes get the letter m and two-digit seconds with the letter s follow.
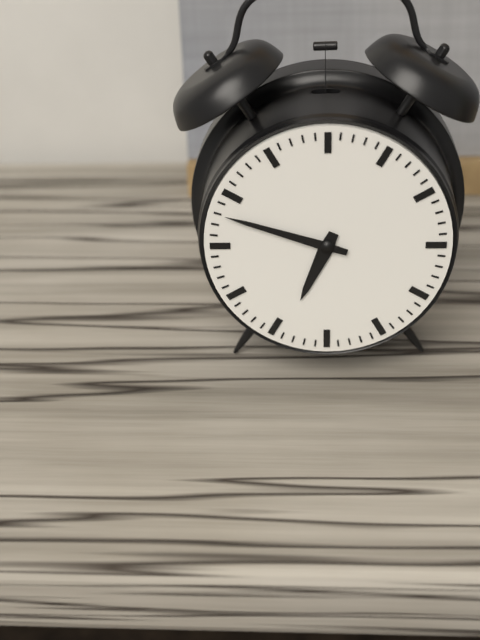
6h48
